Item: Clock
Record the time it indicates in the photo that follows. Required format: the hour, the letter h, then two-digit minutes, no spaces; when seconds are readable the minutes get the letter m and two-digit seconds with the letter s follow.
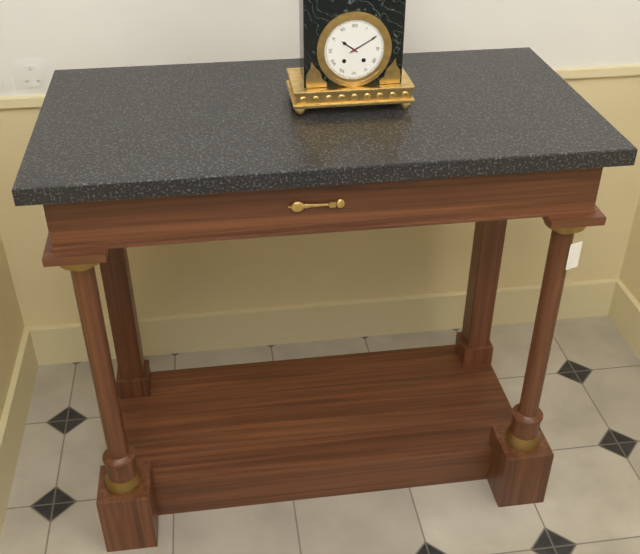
10h10
